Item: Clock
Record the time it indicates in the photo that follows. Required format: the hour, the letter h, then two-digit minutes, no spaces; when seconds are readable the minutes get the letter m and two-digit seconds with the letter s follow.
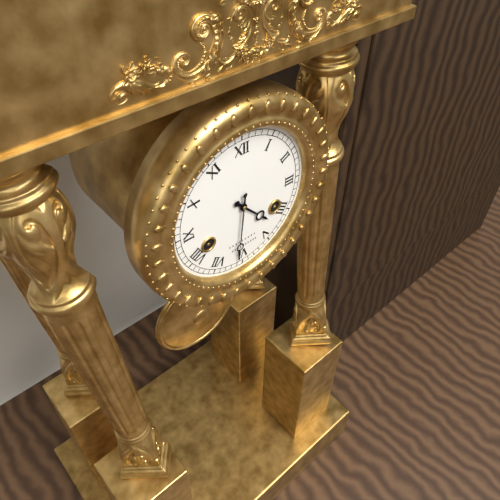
4h31
